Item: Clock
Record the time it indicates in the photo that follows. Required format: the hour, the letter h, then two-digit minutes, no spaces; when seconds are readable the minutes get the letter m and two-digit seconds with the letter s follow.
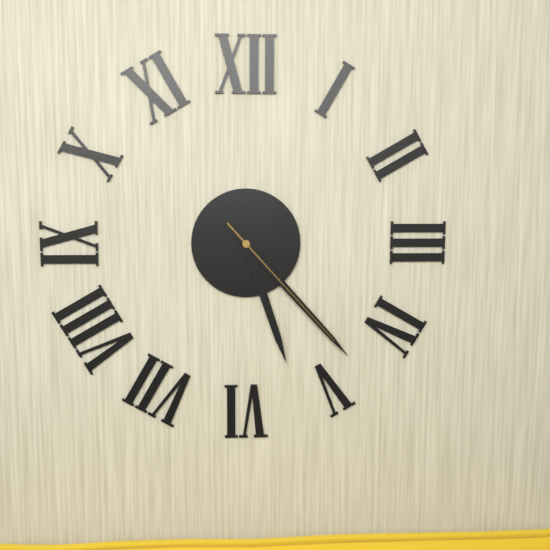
5h23m23s
